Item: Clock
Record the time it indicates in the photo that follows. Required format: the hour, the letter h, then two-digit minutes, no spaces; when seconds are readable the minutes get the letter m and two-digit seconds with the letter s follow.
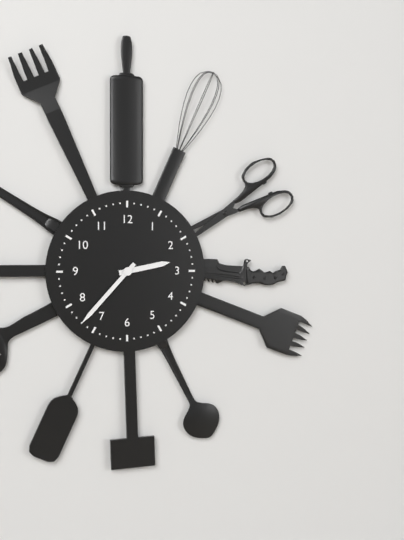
2h37
